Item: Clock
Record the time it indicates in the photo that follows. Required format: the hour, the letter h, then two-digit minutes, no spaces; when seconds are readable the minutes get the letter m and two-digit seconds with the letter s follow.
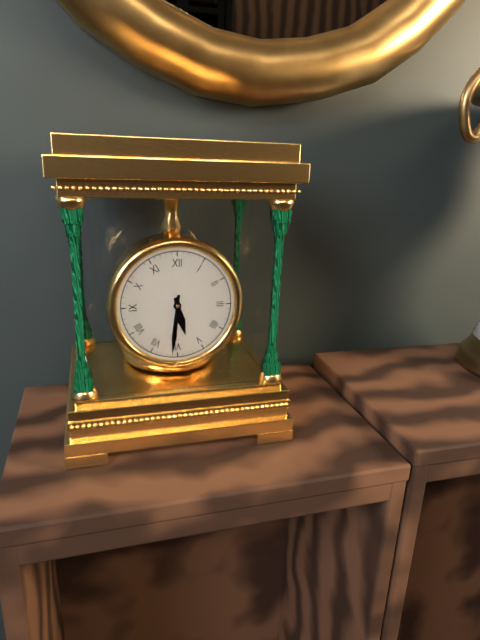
5h31
